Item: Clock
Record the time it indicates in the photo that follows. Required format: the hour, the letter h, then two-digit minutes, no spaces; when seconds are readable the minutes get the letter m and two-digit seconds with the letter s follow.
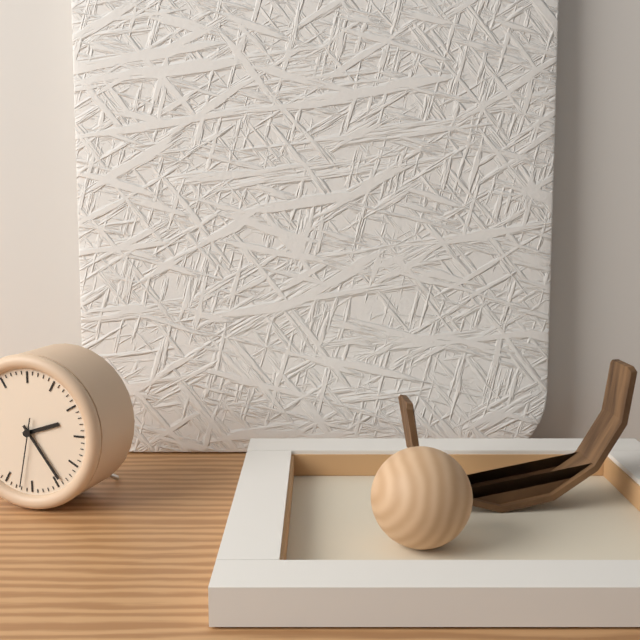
2h24m32s
